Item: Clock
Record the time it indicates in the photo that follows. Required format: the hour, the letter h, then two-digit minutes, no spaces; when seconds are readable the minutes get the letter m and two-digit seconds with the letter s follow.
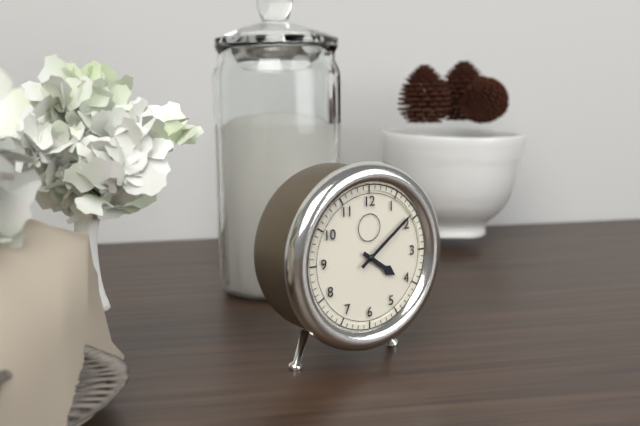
4h09
